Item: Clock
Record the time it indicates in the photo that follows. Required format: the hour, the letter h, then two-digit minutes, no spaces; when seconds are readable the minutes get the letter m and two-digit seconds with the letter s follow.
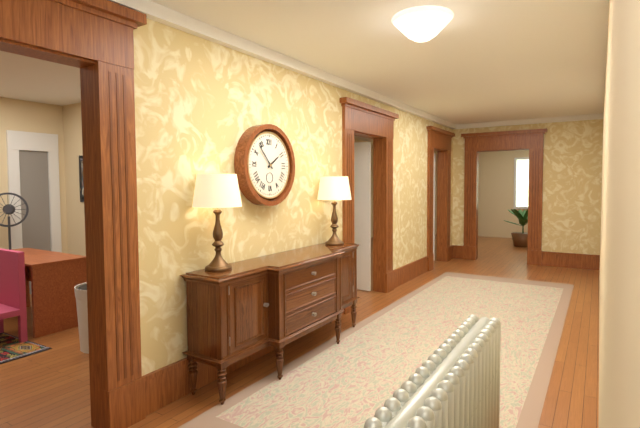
1h53
